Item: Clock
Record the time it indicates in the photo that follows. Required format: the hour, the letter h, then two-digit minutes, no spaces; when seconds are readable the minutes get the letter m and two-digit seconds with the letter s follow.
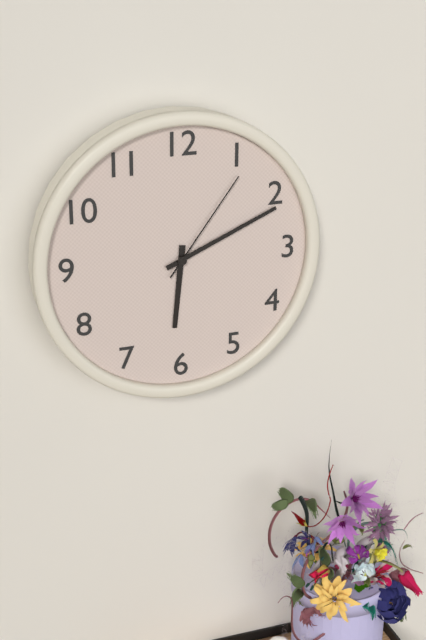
6h11m06s
